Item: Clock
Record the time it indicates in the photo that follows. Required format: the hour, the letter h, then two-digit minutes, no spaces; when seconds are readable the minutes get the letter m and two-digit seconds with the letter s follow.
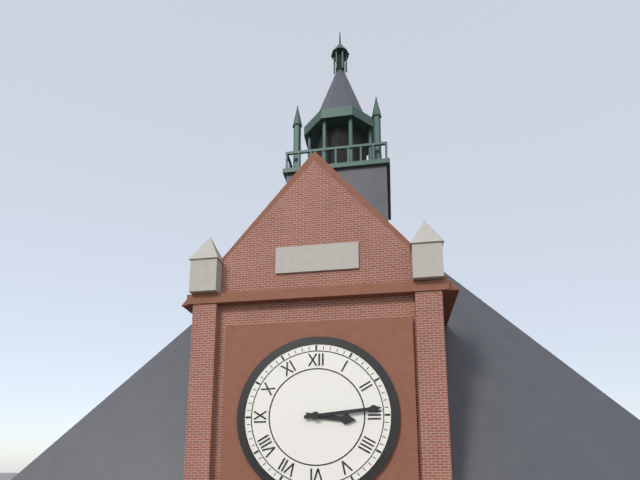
3h14
